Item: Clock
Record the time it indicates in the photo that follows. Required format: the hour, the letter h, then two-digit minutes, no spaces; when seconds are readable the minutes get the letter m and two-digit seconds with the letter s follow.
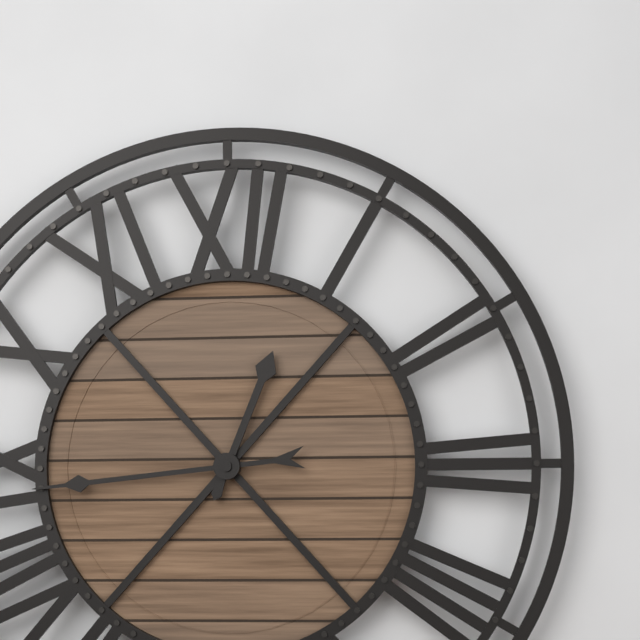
12h44
